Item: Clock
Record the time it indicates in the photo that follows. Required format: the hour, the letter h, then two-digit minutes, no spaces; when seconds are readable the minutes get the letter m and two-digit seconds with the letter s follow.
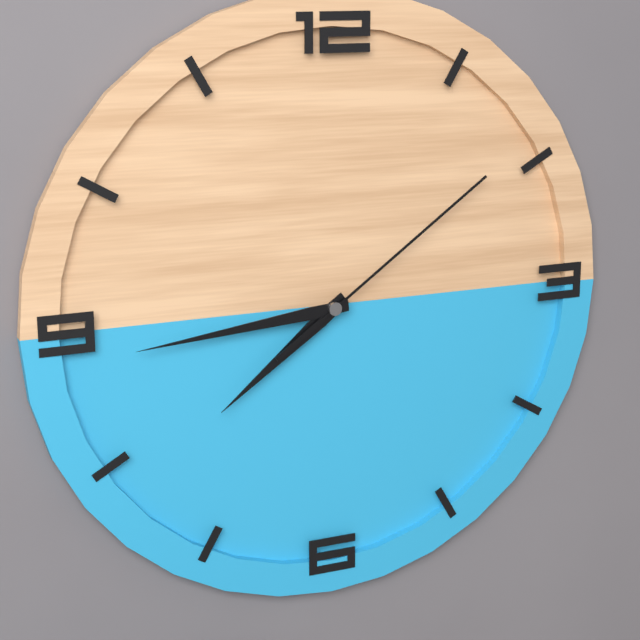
7h44m09s
